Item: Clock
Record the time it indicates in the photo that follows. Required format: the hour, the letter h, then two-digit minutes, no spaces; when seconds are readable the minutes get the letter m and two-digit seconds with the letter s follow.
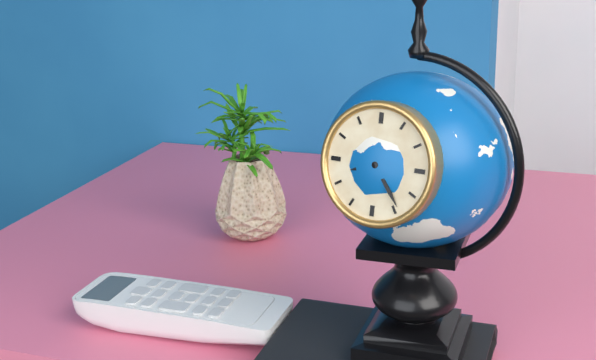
8h24
